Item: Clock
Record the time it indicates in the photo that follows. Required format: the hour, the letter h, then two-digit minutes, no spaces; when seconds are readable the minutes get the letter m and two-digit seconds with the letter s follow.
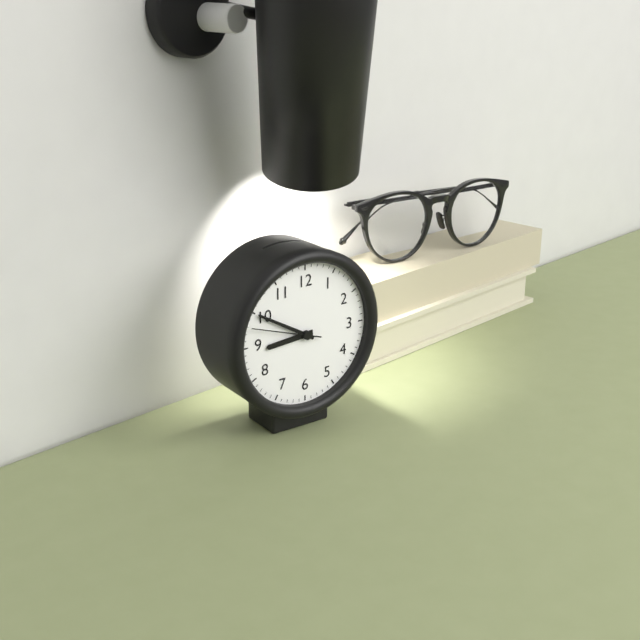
8h50m48s
